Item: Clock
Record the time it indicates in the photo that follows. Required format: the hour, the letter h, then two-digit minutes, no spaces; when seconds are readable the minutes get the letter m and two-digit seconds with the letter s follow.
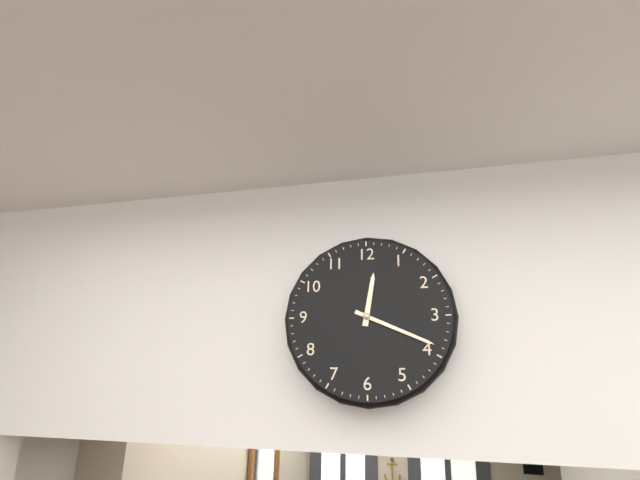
12h19
